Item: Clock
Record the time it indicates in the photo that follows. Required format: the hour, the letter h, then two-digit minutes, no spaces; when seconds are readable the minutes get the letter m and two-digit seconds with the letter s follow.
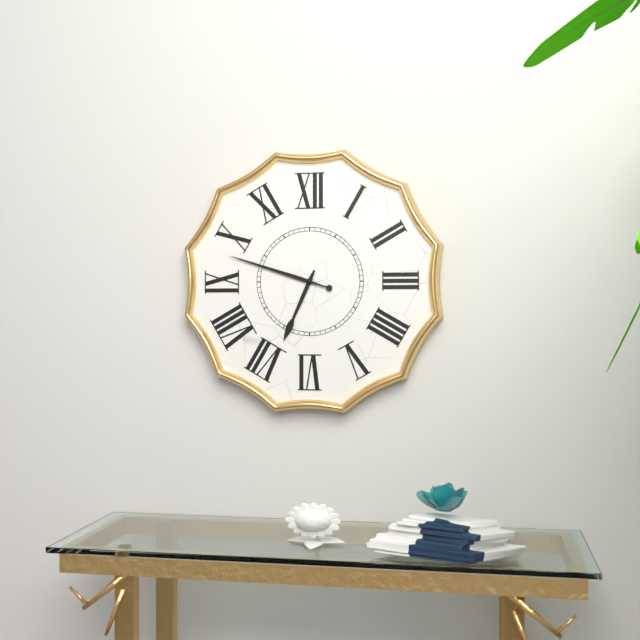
6h48
